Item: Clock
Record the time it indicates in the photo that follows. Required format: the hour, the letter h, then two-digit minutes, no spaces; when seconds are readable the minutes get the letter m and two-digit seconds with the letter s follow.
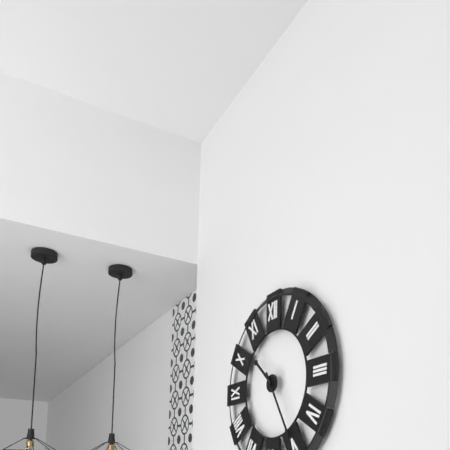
10h25
